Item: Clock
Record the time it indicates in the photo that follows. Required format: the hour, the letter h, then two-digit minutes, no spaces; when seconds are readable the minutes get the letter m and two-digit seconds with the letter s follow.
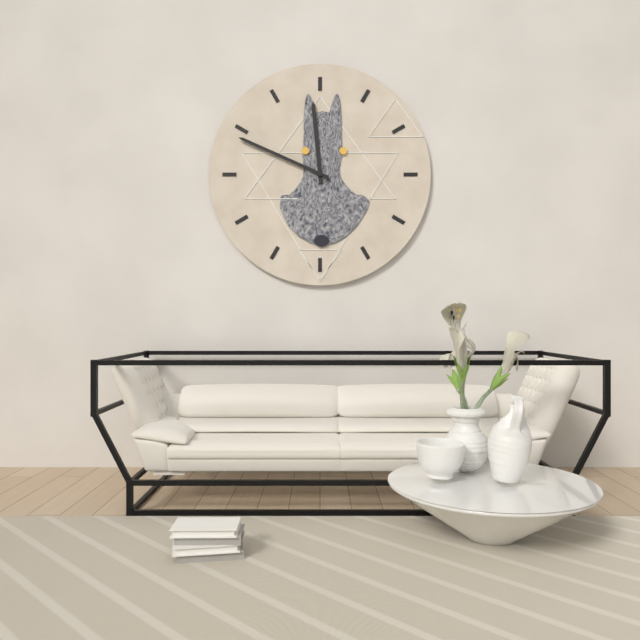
11h49
